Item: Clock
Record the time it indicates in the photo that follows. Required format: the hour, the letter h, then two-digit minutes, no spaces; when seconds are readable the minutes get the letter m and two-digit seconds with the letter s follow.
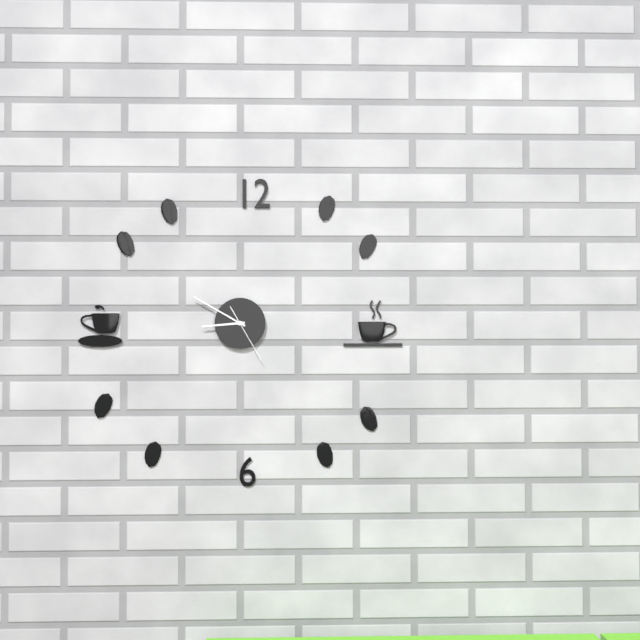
8h50m25s
